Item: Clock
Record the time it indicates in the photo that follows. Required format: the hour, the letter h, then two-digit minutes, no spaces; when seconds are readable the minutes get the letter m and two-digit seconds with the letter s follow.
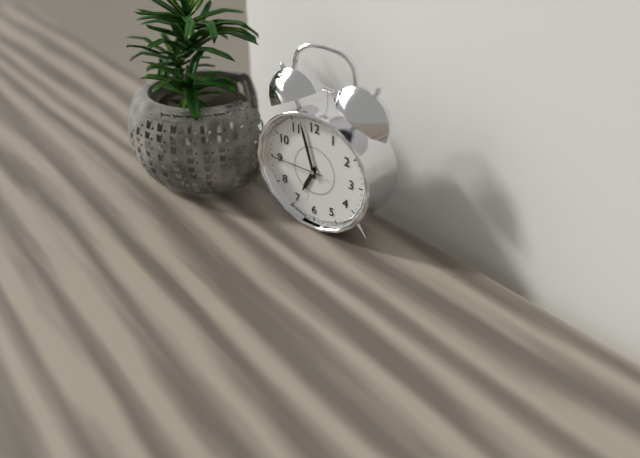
6h57m45s
